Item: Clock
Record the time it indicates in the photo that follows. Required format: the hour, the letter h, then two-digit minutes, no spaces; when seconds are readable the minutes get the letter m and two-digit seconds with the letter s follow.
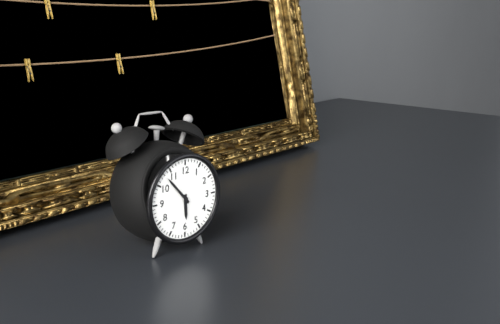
5h53
